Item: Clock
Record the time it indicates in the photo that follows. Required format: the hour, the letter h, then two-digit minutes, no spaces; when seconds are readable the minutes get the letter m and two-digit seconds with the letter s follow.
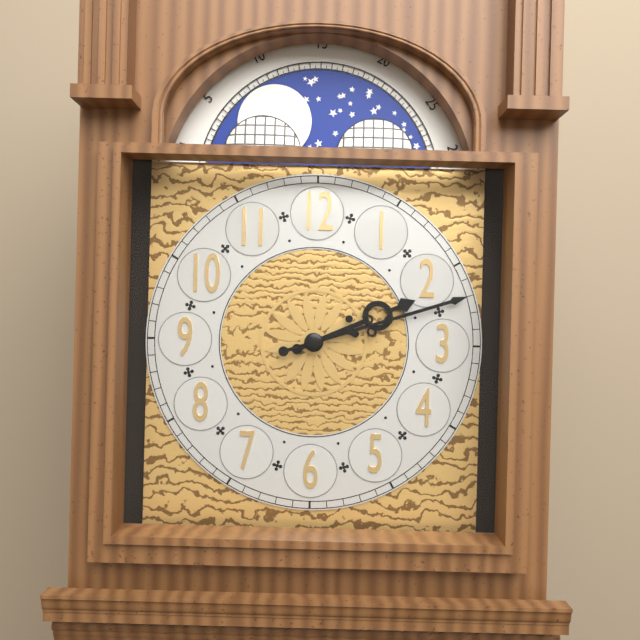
2h12
